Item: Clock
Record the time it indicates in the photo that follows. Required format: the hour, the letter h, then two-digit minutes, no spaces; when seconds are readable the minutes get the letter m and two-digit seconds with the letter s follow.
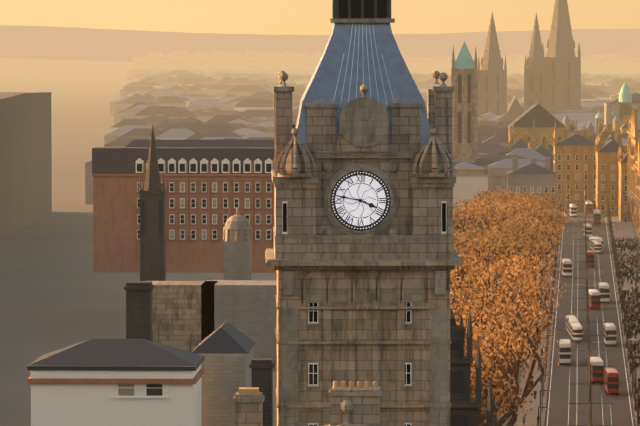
3h47
